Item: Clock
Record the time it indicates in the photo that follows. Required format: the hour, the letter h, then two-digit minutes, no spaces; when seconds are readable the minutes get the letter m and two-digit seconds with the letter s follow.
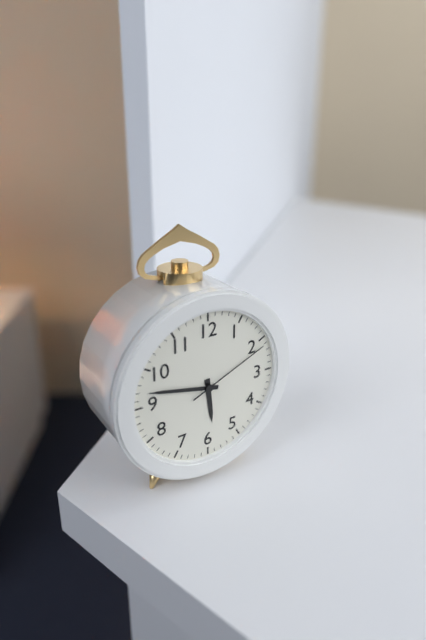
5h47m11s
